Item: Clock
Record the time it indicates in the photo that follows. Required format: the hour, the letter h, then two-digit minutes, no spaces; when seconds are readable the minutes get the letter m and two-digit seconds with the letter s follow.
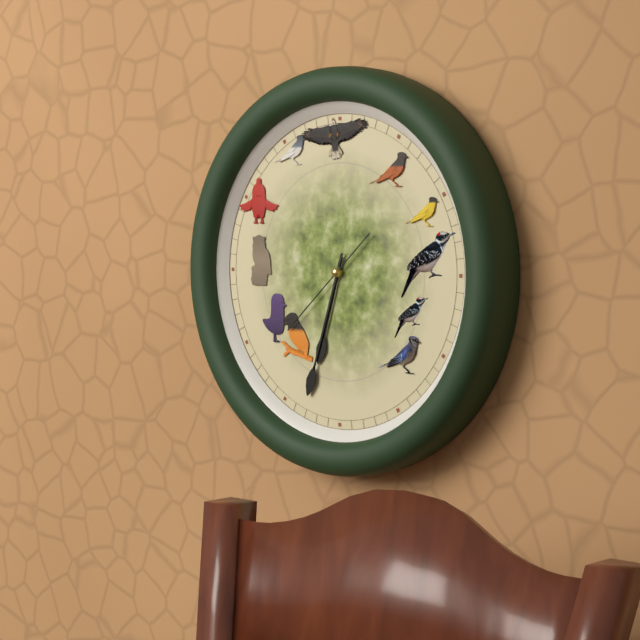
6h33m38s
